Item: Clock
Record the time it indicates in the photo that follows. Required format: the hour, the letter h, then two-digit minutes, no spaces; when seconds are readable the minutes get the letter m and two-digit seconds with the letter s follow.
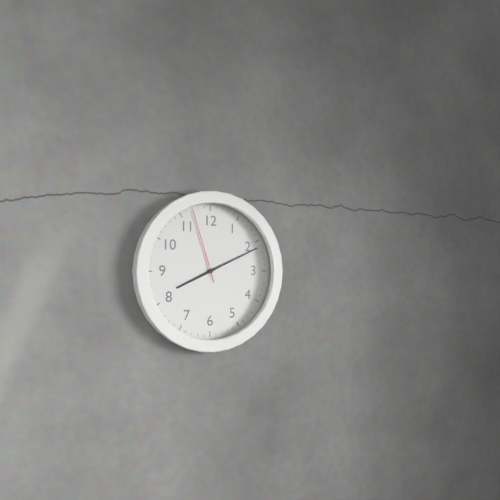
8h11m57s
